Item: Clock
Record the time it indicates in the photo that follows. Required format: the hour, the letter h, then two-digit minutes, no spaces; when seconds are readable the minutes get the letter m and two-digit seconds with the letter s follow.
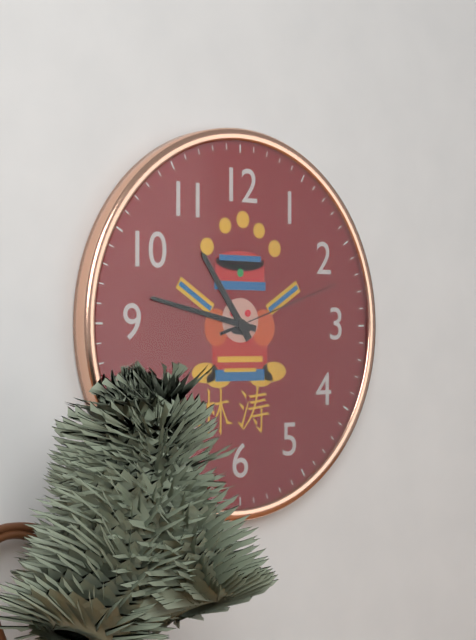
10h47m12s
